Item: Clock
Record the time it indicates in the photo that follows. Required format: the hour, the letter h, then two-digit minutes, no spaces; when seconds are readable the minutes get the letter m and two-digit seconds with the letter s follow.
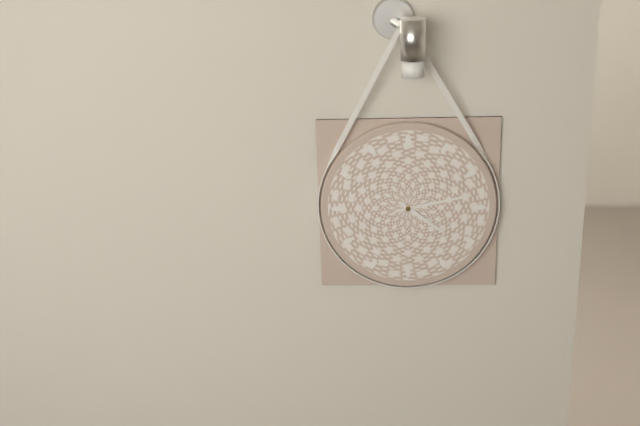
4h13
